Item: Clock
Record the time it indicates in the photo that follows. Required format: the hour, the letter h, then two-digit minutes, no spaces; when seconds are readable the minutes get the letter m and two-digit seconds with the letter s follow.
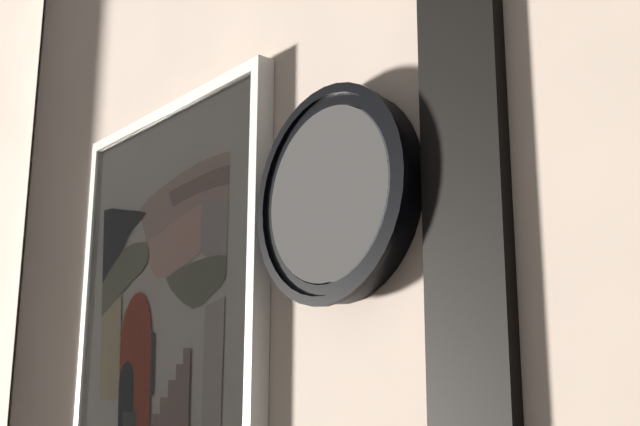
9h13m35s
